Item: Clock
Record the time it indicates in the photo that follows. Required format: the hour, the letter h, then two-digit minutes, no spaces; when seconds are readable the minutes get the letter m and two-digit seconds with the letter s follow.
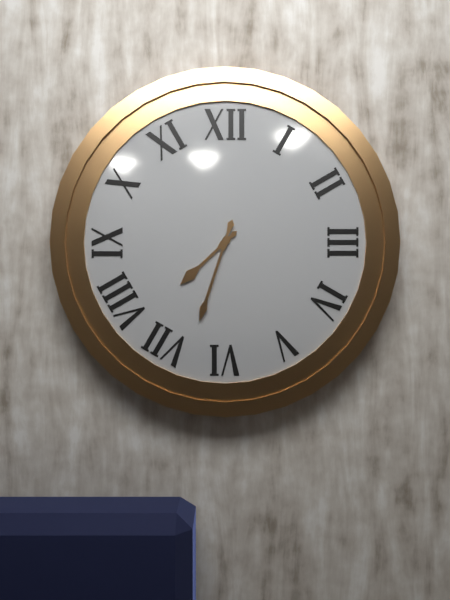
7h33
